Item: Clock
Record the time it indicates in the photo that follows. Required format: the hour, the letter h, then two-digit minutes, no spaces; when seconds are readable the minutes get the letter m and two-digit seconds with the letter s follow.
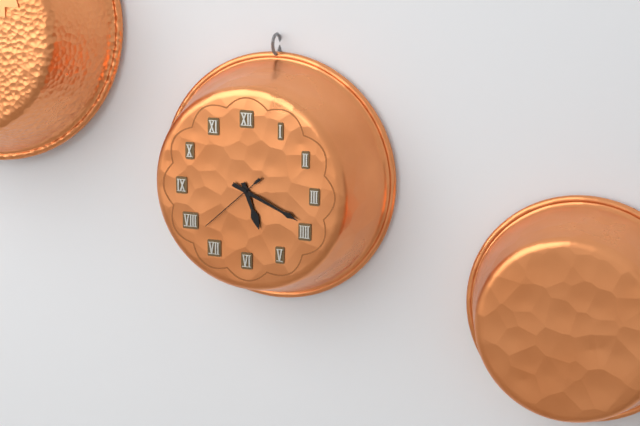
5h19m38s
